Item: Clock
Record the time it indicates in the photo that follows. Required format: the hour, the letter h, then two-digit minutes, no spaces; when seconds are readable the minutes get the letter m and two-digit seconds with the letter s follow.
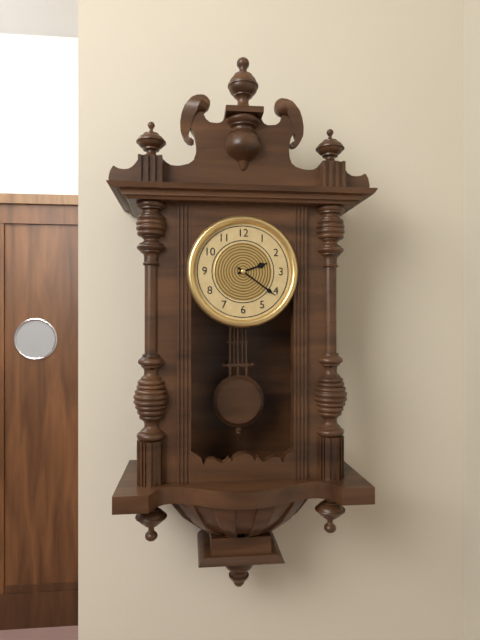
2h21
